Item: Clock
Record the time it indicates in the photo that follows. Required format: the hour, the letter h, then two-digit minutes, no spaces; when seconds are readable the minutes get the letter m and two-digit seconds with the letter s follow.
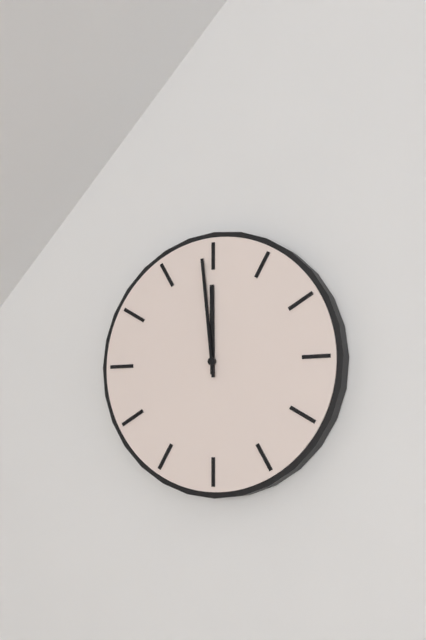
11h59
